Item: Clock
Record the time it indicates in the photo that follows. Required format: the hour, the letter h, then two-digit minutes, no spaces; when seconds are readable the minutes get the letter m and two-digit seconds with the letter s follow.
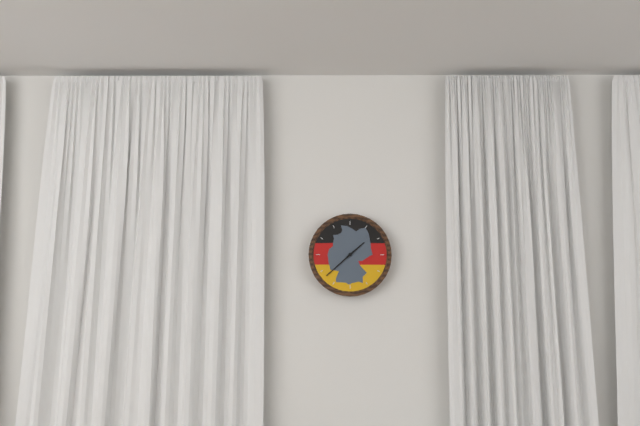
1h38
